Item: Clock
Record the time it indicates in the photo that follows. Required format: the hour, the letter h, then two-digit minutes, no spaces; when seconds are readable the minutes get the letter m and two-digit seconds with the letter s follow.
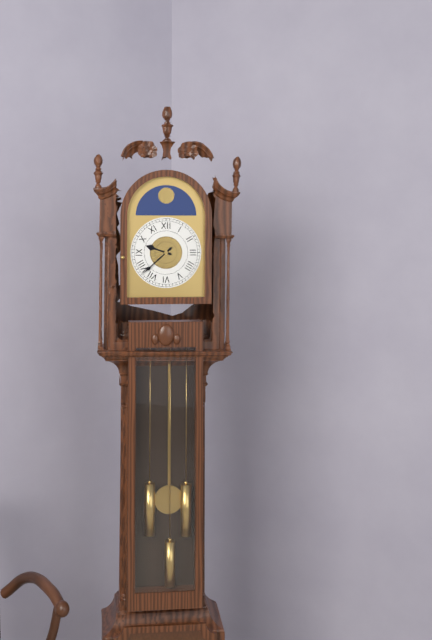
9h38
